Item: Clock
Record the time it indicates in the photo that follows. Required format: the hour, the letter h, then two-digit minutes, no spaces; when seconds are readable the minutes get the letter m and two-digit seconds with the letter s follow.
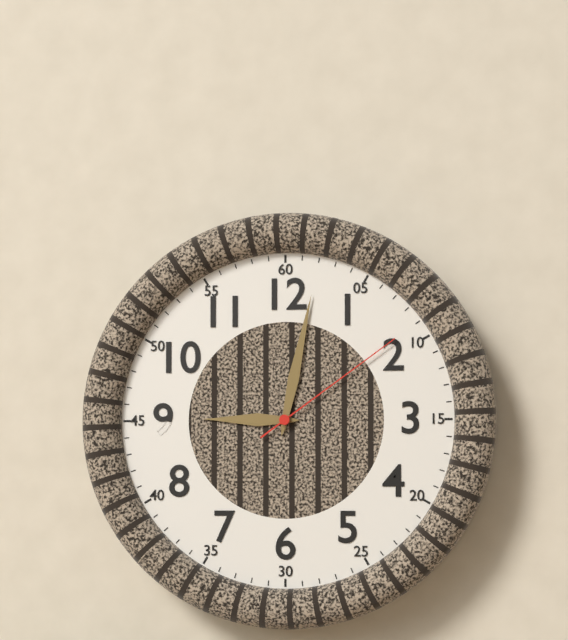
9h02m09s
